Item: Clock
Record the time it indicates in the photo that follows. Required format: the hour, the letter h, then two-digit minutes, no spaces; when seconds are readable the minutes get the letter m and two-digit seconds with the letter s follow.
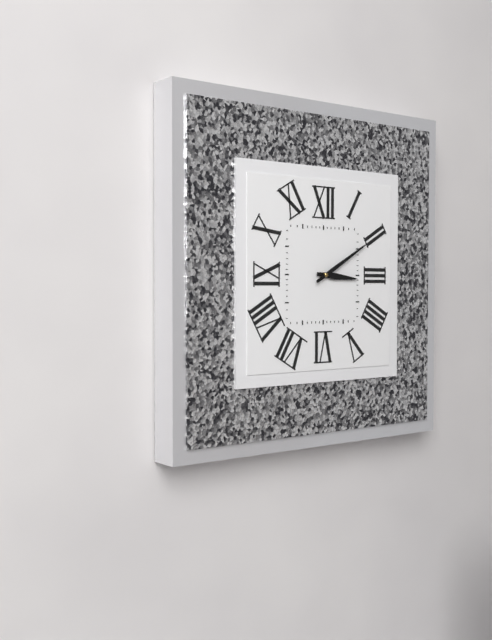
3h10
